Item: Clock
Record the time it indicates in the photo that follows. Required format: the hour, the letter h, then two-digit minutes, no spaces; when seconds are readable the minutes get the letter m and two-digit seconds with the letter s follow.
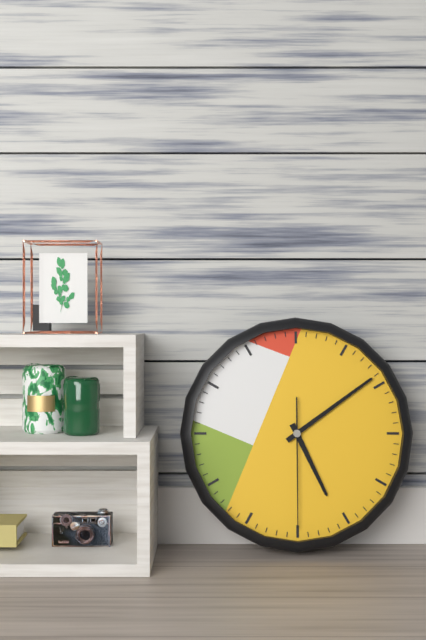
5h09m30s
